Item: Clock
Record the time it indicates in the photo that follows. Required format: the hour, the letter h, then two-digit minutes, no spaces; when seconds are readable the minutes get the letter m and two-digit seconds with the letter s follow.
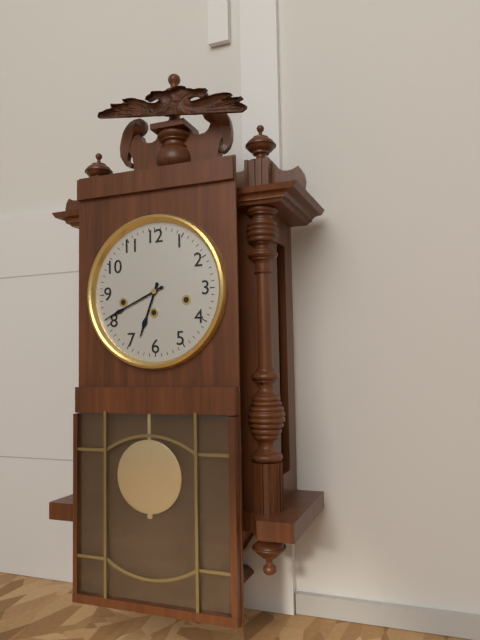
6h41
